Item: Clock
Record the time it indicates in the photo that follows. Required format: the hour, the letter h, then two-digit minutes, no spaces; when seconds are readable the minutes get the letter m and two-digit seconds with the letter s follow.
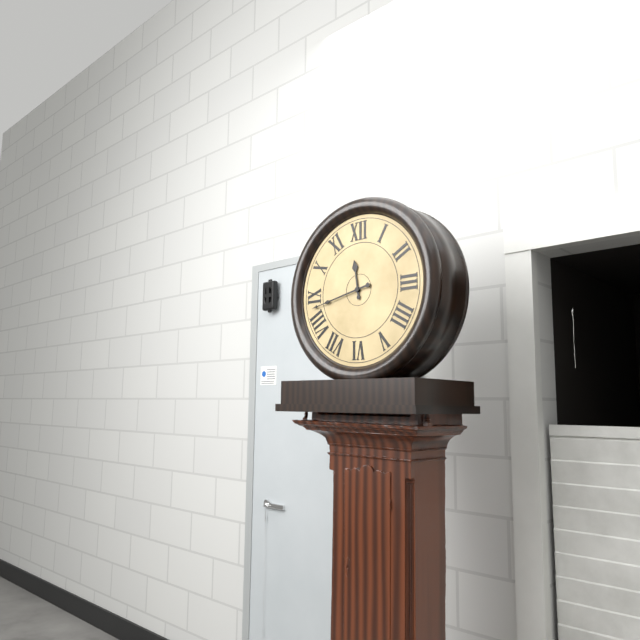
11h43
